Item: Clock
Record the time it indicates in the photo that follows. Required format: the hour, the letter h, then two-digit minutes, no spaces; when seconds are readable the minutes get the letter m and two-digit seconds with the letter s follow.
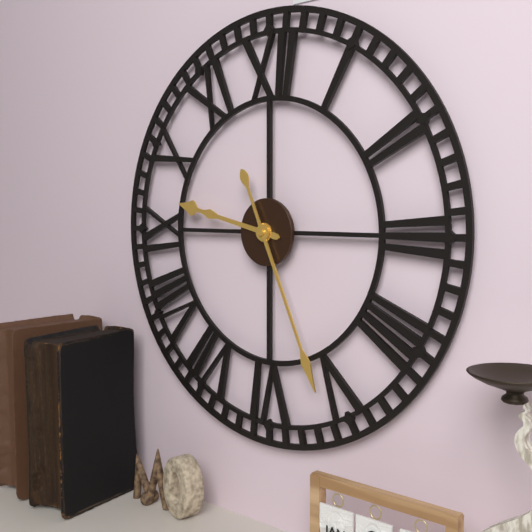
9h26
